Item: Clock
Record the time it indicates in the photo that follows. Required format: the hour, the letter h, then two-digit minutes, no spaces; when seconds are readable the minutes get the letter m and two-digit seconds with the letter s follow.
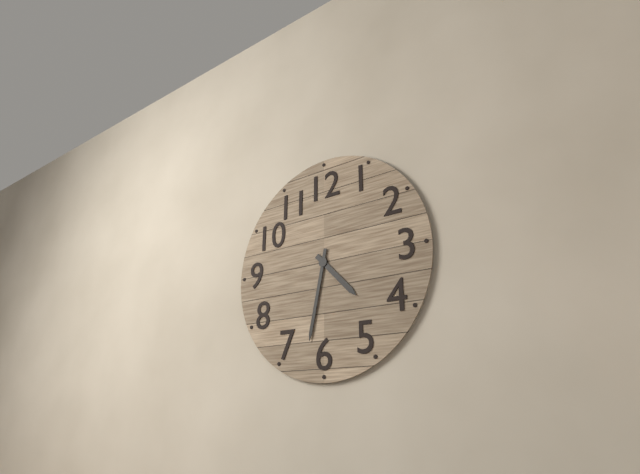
4h32
